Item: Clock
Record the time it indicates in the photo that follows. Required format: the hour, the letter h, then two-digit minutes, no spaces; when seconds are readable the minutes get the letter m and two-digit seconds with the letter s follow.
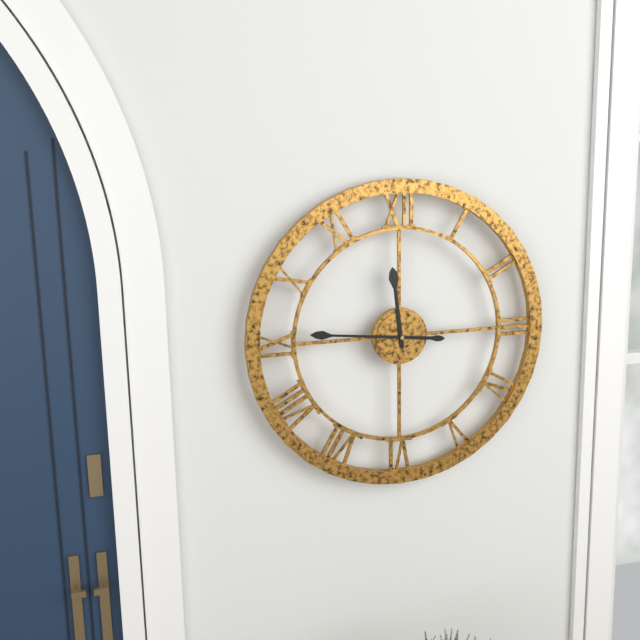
11h46
